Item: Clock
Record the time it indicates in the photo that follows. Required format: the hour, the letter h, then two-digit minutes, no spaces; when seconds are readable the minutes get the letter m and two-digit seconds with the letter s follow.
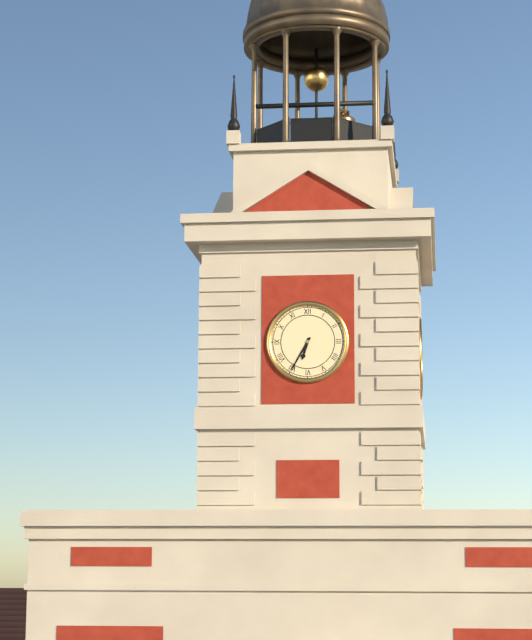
6h35
